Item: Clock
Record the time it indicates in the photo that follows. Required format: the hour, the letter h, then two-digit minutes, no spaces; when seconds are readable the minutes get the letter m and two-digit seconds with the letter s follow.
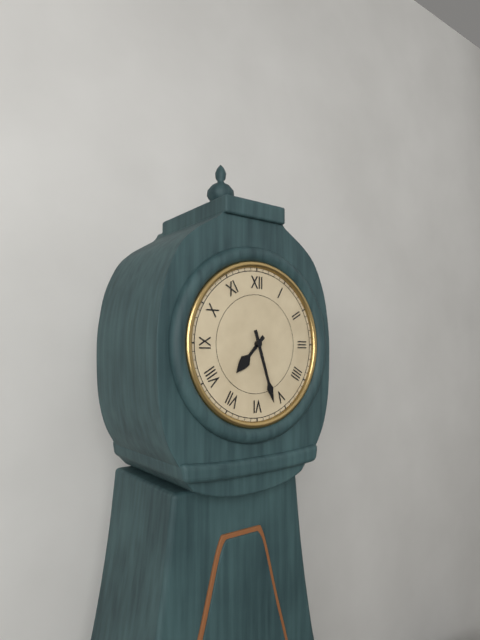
7h27
